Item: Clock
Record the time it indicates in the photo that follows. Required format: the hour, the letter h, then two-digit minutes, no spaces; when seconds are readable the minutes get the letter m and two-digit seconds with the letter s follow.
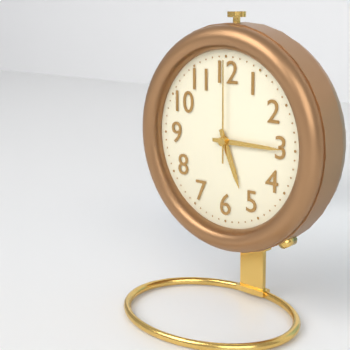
5h15m00s
